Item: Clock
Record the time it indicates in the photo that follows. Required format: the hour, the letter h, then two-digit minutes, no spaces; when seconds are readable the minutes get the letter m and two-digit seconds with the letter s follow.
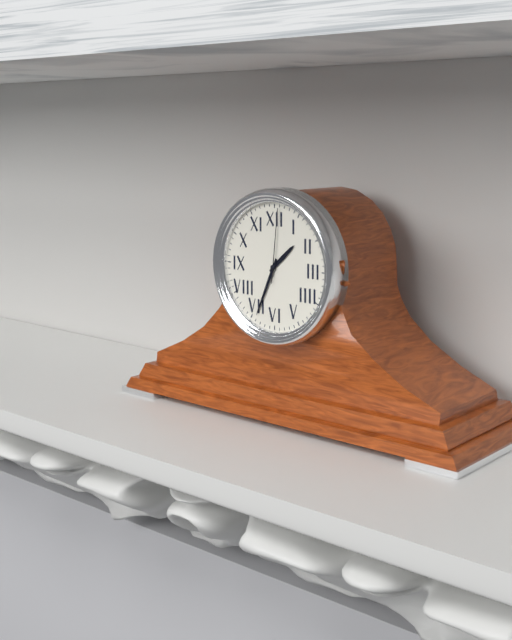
1h34m01s
